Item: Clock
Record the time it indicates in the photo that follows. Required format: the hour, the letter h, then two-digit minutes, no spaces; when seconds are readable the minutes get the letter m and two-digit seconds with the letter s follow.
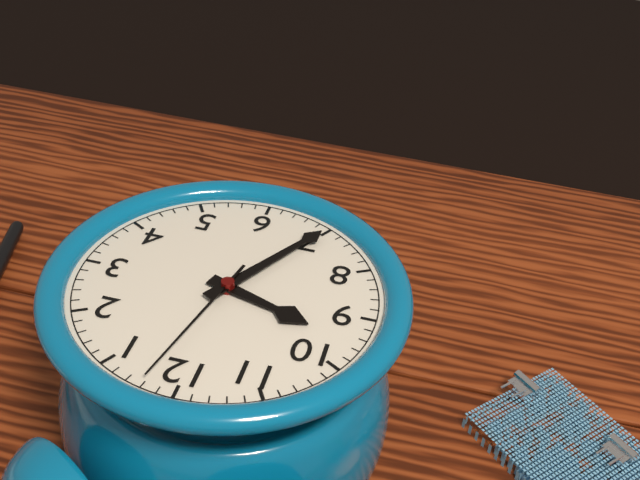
9h35m02s
